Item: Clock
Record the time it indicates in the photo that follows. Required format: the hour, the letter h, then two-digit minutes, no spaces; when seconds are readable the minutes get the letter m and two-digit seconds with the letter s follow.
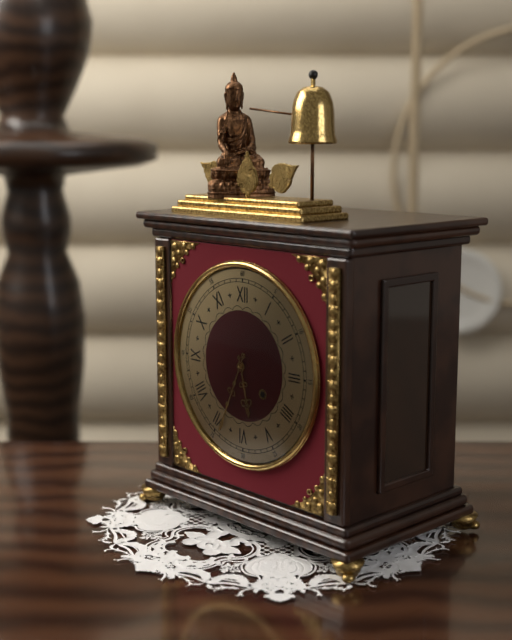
5h34
